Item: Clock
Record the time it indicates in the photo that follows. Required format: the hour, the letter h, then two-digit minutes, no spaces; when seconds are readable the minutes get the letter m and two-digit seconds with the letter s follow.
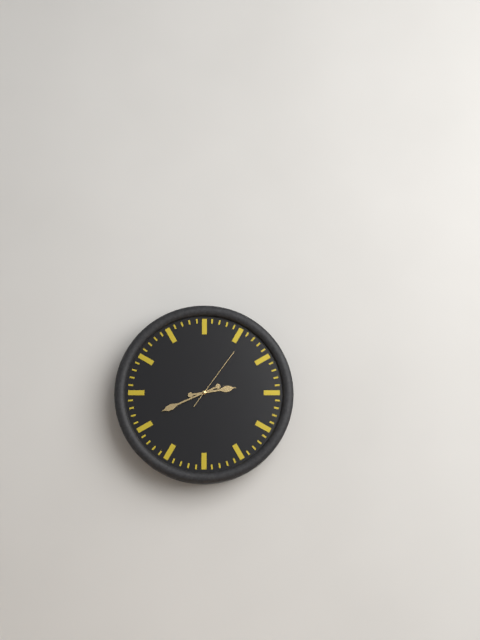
2h41m06s
